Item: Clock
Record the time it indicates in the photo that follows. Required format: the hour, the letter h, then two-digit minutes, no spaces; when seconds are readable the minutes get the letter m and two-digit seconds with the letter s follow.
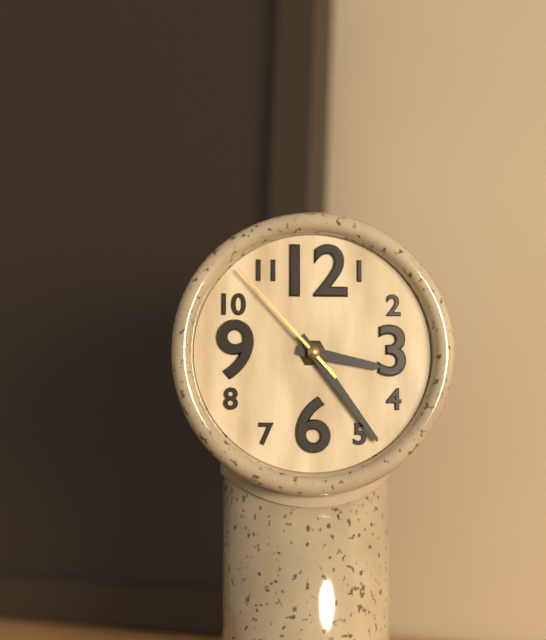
3h24m53s
